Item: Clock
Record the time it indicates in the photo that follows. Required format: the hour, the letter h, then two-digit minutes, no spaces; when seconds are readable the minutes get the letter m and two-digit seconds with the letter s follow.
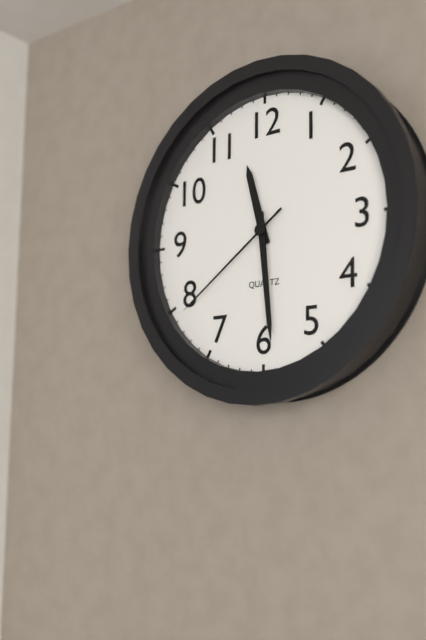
11h29m39s
